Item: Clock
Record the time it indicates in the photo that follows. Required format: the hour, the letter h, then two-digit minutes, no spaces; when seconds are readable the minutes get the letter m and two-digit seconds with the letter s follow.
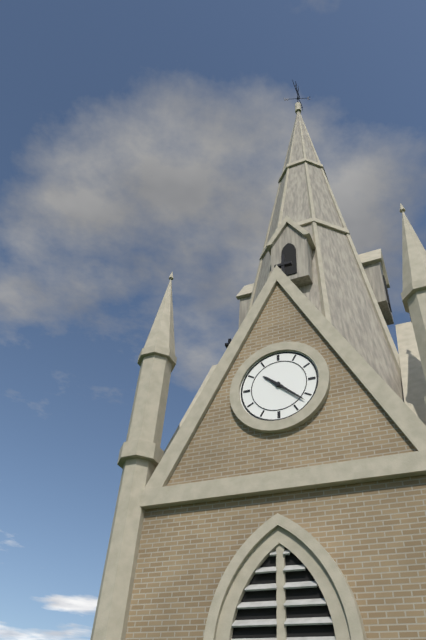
10h22
